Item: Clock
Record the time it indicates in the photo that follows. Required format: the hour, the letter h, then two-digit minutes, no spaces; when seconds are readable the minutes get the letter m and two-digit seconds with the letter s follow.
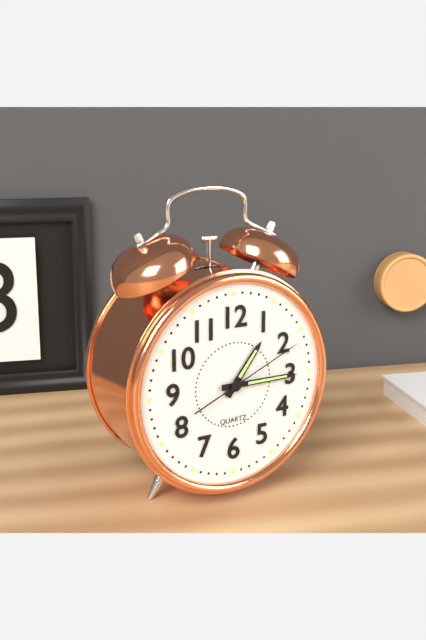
1h15m11s
